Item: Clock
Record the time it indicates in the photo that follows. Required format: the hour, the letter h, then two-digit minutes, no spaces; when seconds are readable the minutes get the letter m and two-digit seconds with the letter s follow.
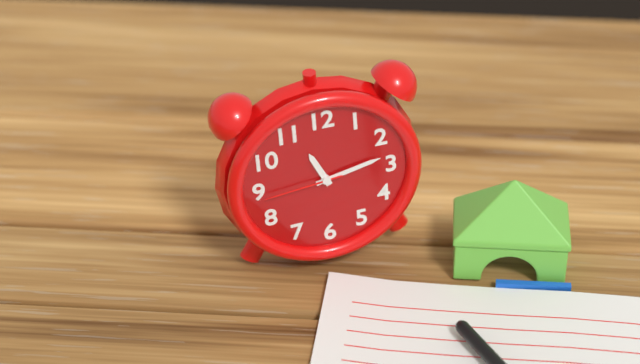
11h13m44s
